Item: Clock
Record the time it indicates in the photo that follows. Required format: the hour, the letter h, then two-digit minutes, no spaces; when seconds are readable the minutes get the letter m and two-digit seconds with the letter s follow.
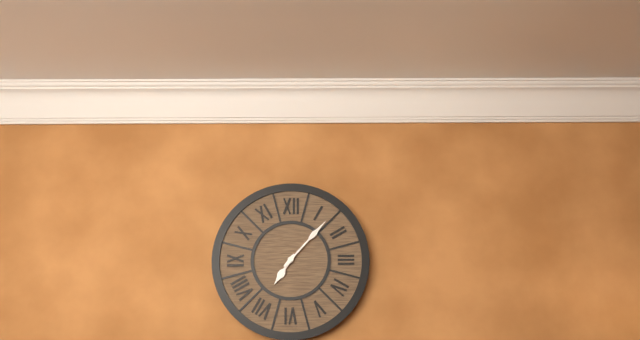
7h07
